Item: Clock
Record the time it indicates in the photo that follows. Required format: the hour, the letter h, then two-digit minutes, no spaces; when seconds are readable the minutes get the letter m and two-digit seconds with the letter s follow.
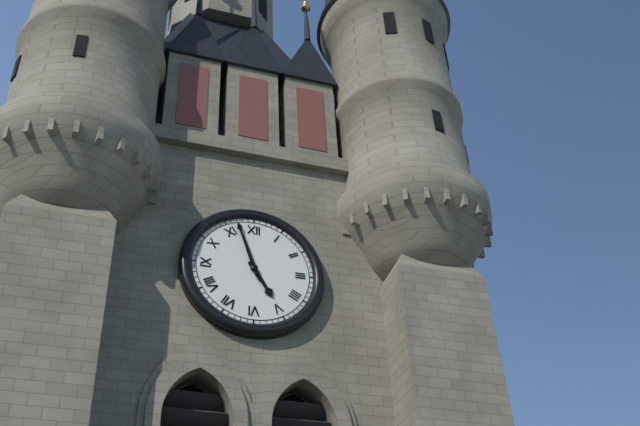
4h57
